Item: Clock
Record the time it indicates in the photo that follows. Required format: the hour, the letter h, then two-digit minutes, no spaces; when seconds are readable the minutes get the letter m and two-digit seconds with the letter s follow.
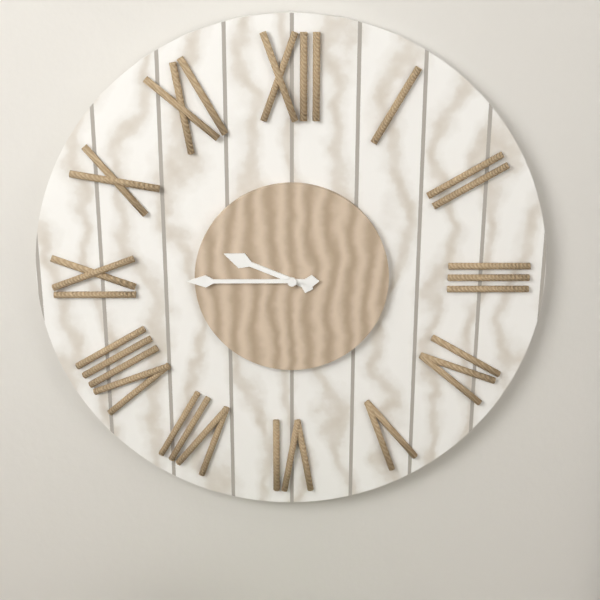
9h45
